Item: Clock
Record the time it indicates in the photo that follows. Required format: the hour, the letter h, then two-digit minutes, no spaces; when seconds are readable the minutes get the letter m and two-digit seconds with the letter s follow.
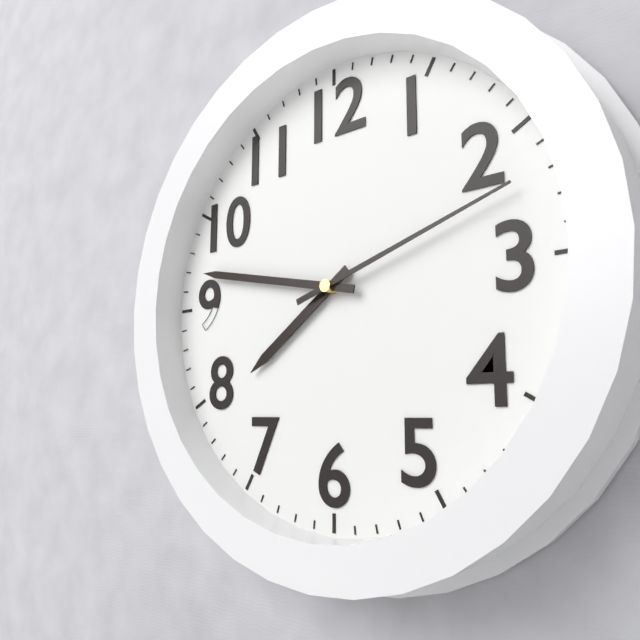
7h47m12s
